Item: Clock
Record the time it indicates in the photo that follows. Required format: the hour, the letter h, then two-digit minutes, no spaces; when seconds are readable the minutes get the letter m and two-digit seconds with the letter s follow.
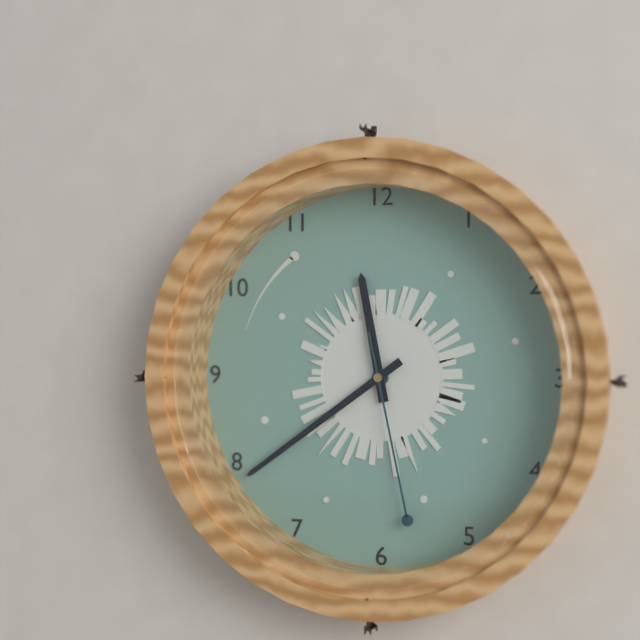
11h39m28s
